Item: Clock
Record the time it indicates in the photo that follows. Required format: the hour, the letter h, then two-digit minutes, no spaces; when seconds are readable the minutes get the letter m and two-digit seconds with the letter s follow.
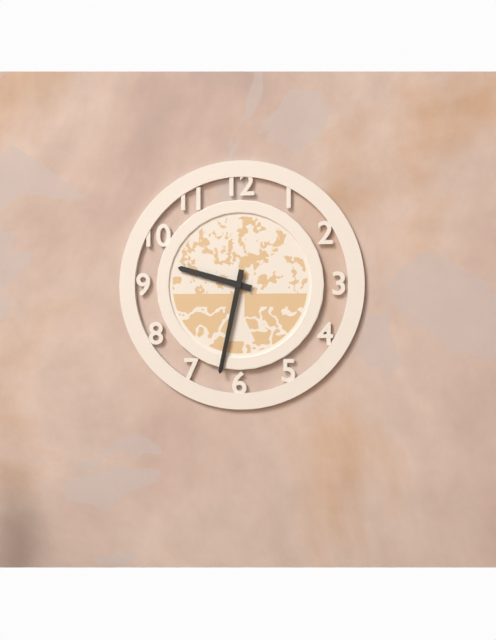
9h32
